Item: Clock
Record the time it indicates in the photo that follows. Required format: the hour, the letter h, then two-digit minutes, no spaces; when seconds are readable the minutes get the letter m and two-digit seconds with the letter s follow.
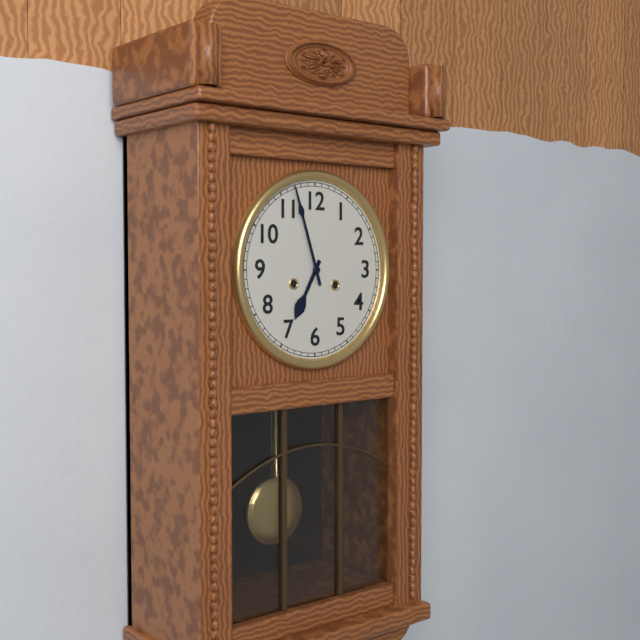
6h57
